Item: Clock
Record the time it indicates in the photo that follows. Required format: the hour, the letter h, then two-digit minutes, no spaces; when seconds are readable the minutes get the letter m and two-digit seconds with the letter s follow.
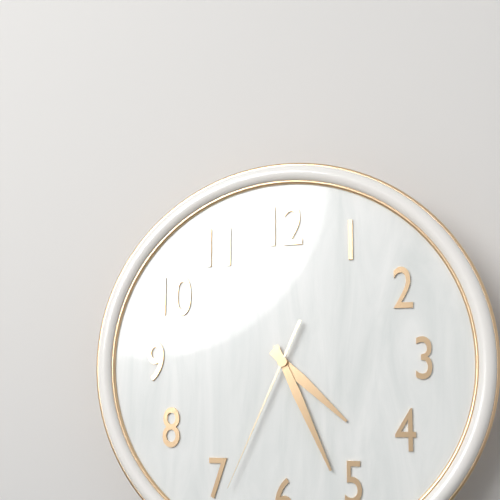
4h26m34s
